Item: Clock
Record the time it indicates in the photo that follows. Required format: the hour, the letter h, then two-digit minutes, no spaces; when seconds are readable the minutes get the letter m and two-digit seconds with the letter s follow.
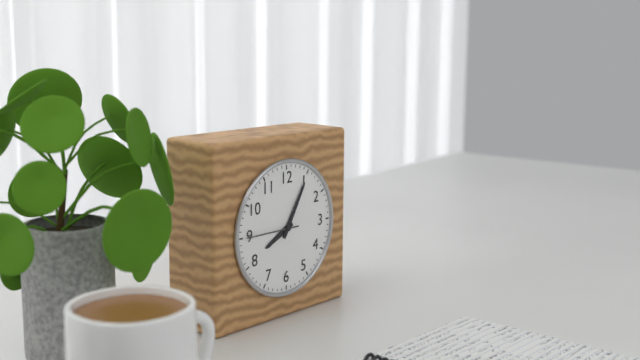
8h05m45s
